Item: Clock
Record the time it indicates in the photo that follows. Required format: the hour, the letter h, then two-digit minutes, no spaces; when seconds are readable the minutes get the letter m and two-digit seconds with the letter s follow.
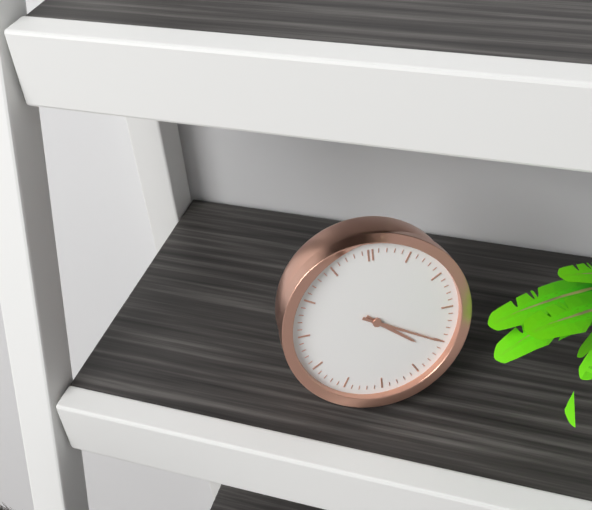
4h20
